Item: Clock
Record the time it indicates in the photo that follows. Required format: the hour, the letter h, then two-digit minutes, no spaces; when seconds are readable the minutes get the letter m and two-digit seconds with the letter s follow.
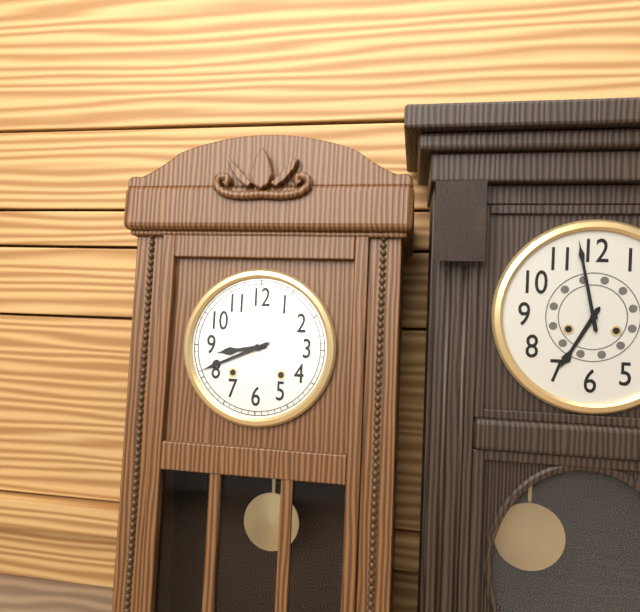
8h41
